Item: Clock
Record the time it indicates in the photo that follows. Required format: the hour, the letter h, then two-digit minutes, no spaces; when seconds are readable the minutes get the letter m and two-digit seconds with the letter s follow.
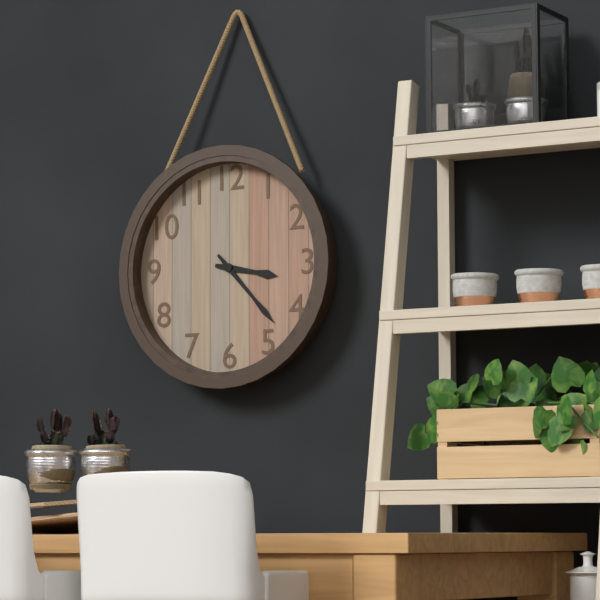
3h23
